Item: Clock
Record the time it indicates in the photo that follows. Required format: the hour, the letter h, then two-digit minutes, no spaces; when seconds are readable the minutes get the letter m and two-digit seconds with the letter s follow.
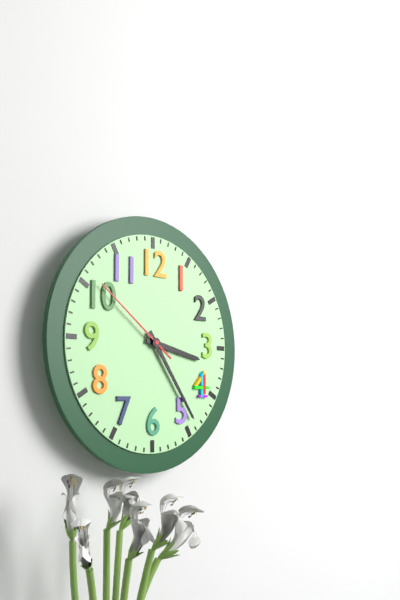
3h24m51s
